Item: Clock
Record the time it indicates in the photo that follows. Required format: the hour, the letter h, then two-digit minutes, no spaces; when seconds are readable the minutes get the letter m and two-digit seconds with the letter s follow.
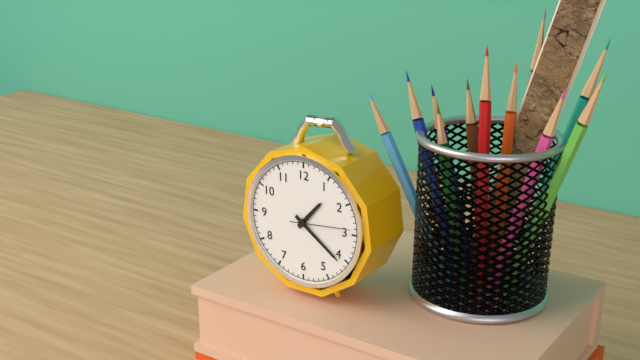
1h21m14s
